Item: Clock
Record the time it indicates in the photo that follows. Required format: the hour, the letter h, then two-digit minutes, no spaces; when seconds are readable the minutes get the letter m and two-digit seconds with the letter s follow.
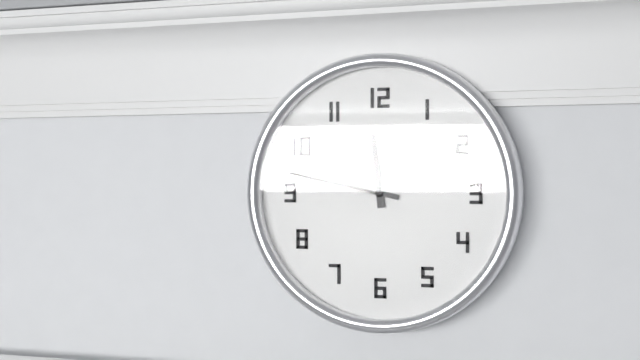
11h47
